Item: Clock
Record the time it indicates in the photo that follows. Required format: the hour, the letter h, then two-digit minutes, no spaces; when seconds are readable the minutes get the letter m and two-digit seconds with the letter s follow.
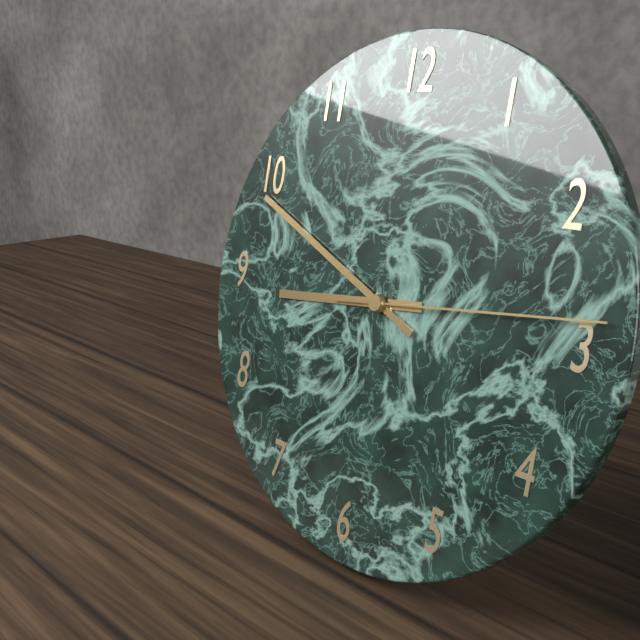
8h49m14s
